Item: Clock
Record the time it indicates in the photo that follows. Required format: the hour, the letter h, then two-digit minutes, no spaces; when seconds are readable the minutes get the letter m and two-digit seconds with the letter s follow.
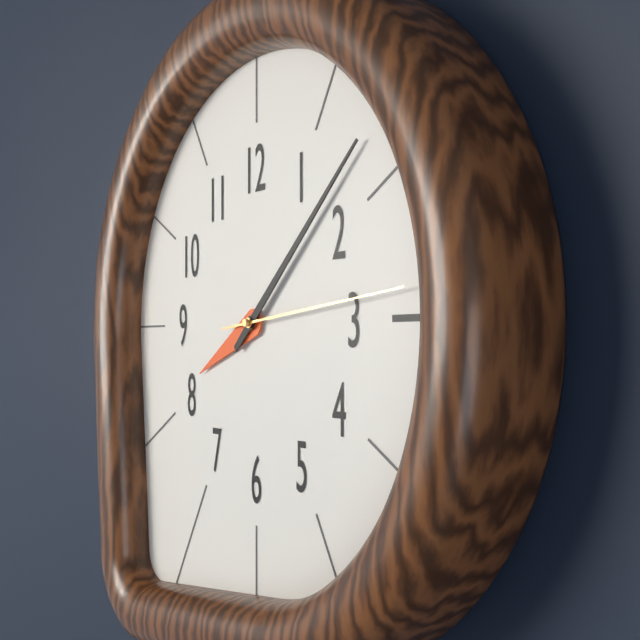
8h08m14s
